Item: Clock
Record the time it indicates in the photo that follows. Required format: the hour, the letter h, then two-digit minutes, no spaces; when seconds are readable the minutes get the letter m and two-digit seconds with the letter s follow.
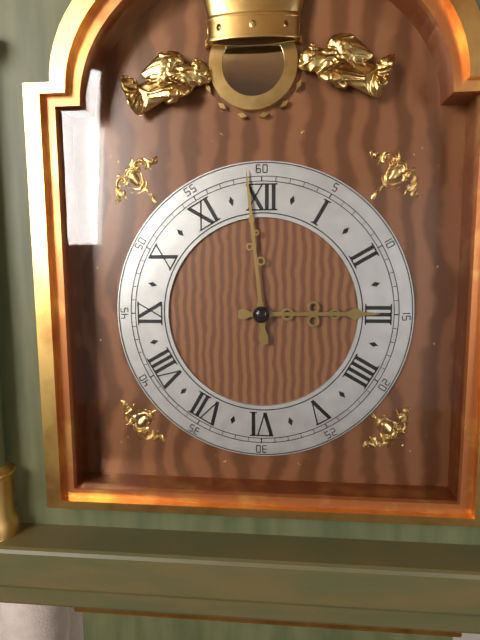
2h59
